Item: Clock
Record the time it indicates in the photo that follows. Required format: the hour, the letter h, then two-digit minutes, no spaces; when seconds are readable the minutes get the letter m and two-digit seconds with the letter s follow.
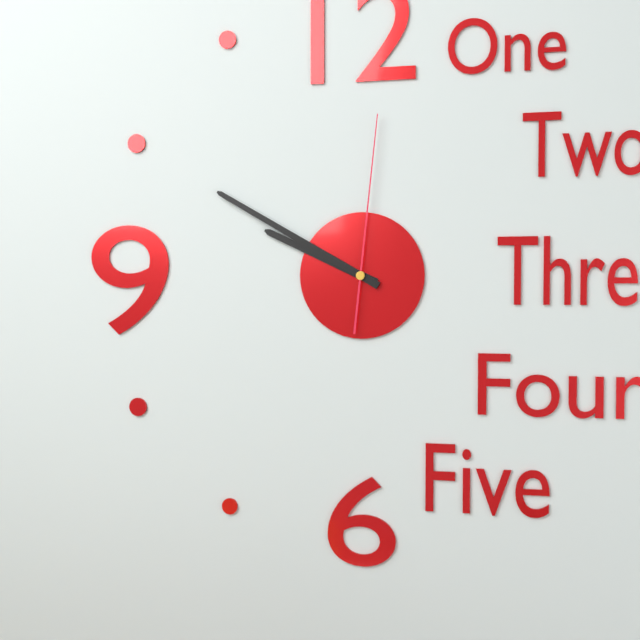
9h50m01s
